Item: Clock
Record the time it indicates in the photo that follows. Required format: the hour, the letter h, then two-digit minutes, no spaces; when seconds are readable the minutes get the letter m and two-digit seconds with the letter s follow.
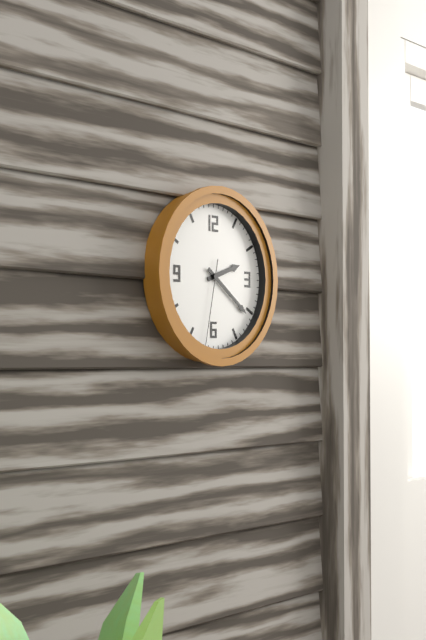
2h21m32s
